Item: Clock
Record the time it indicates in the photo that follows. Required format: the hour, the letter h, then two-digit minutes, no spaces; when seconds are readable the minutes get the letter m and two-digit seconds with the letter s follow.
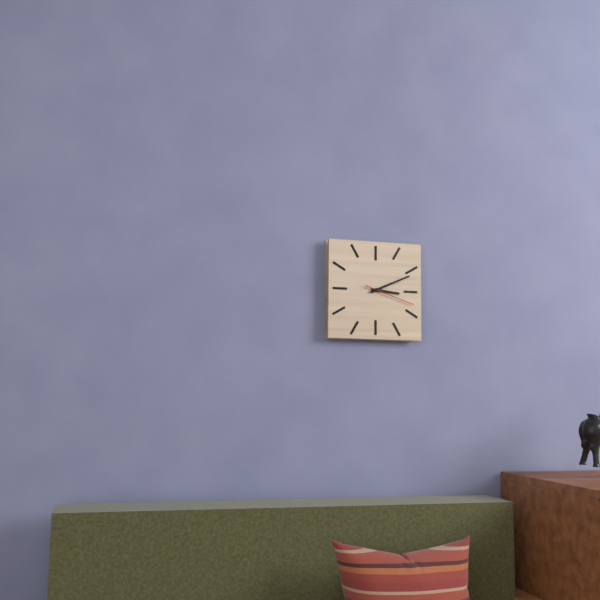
3h11m18s
